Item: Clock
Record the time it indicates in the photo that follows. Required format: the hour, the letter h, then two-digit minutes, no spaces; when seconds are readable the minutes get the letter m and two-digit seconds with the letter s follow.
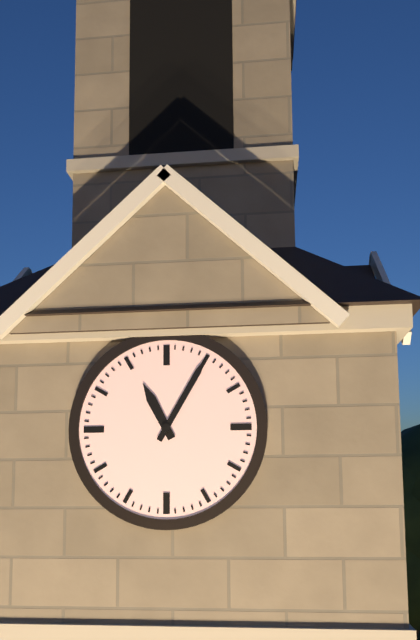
11h05
